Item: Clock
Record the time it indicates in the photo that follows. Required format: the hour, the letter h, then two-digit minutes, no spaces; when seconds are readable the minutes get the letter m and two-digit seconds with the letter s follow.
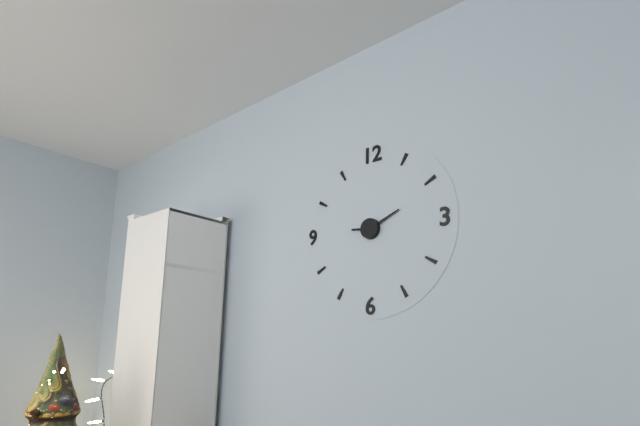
9h11
